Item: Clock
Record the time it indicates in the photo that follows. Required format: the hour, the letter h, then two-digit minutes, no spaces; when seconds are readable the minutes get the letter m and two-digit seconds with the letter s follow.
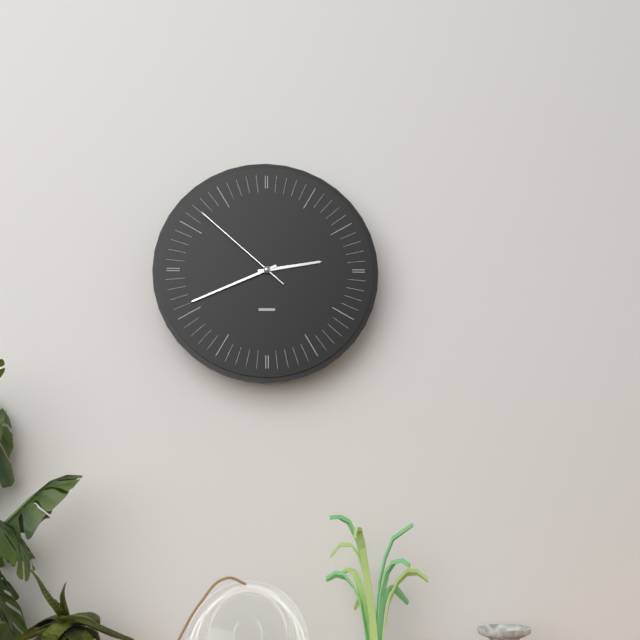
2h41m52s
